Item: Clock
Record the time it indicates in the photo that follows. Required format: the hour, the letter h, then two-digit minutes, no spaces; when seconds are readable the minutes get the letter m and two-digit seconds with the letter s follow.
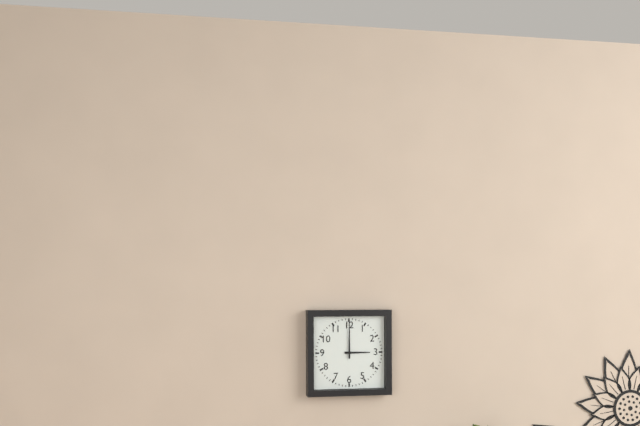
3h00
